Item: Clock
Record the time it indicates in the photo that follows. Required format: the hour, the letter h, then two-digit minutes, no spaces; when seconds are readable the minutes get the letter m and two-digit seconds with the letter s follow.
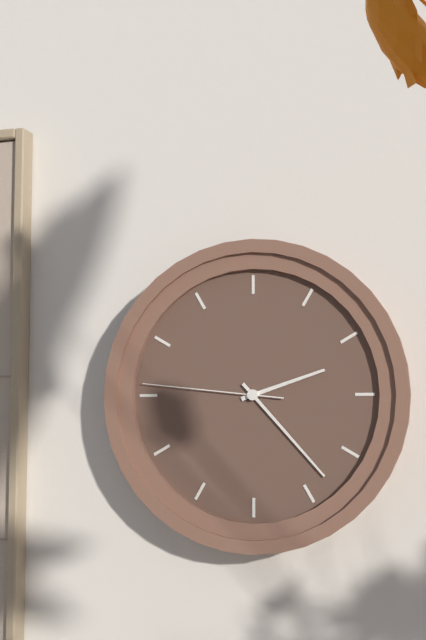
2h23m46s
